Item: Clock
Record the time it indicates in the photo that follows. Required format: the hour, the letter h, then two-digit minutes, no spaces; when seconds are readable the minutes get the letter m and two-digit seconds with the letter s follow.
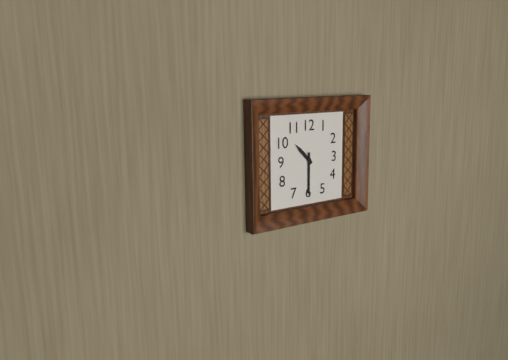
10h30
